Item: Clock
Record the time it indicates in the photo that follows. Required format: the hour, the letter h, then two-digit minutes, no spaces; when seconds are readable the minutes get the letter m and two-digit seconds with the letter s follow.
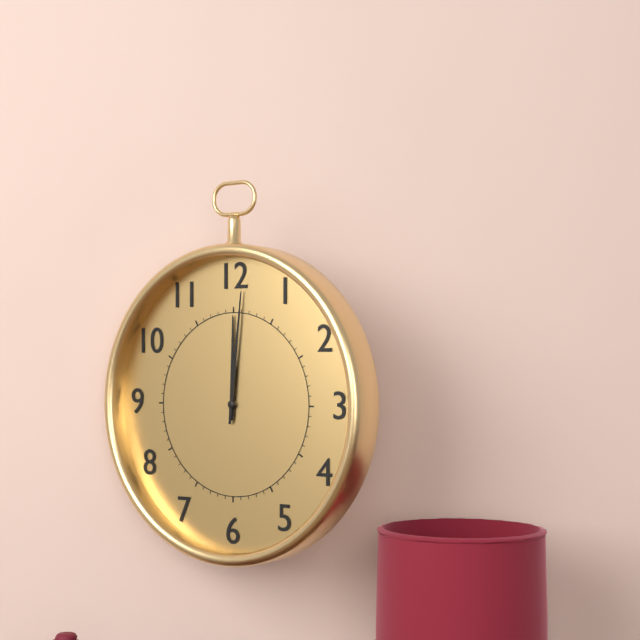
12h01
